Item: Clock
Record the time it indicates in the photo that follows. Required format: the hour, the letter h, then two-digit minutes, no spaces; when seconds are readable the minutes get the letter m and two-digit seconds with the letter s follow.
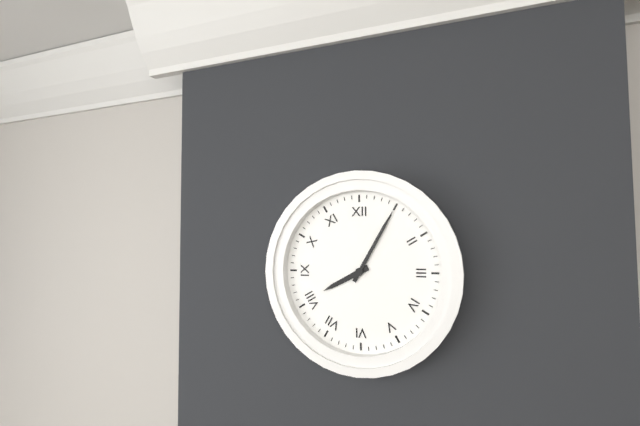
8h05
